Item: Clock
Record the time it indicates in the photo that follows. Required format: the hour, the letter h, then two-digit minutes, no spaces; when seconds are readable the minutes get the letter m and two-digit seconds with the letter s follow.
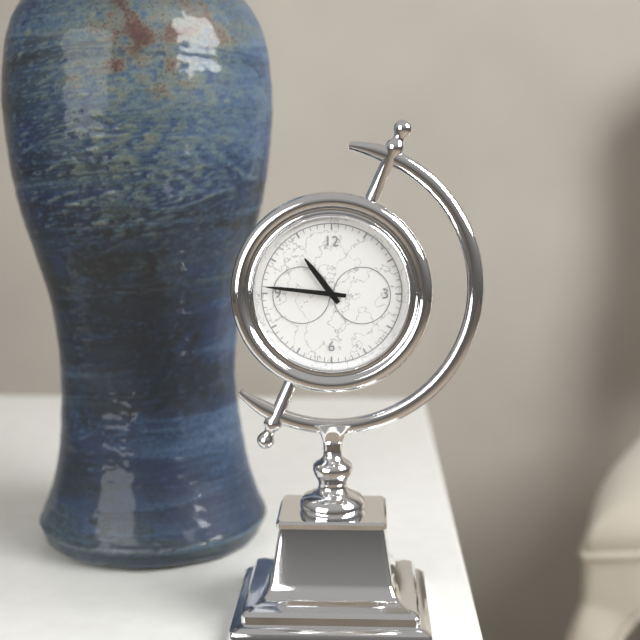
10h46
